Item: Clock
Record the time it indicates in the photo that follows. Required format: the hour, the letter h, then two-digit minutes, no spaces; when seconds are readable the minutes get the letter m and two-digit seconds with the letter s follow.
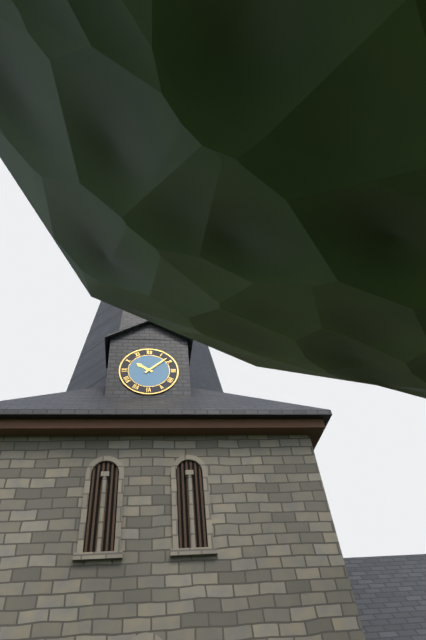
10h08
